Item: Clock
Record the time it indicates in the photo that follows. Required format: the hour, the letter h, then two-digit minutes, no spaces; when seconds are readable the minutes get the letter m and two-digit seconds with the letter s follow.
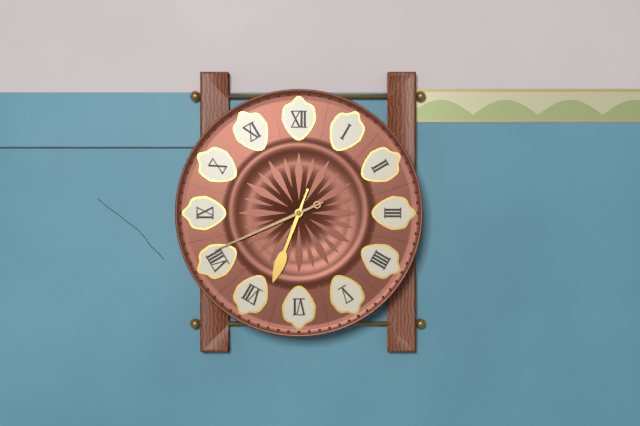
6h41
